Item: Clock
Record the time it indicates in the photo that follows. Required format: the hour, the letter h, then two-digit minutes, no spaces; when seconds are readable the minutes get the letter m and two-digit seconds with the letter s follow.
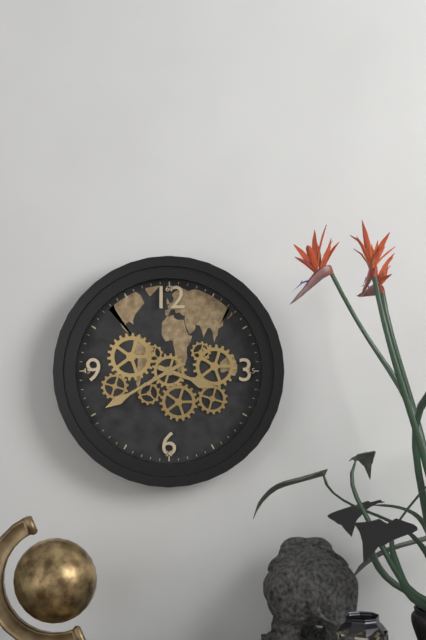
3h40
